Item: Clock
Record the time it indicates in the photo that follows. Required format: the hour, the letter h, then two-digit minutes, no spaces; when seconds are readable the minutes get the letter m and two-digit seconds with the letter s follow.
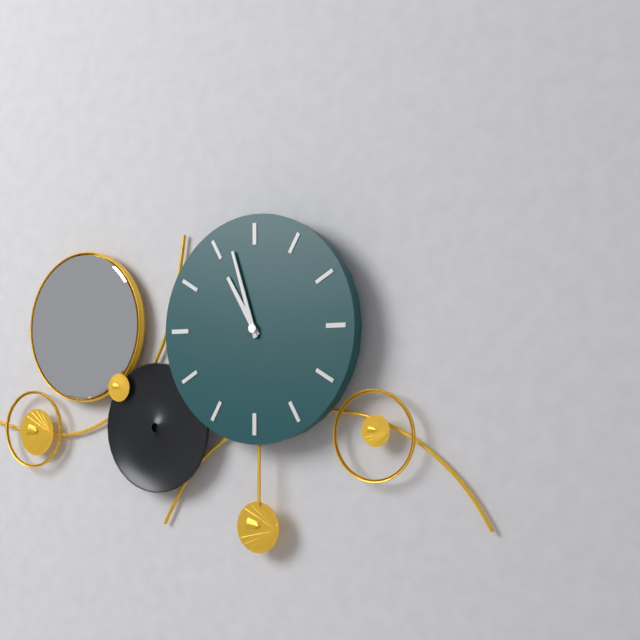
10h57
